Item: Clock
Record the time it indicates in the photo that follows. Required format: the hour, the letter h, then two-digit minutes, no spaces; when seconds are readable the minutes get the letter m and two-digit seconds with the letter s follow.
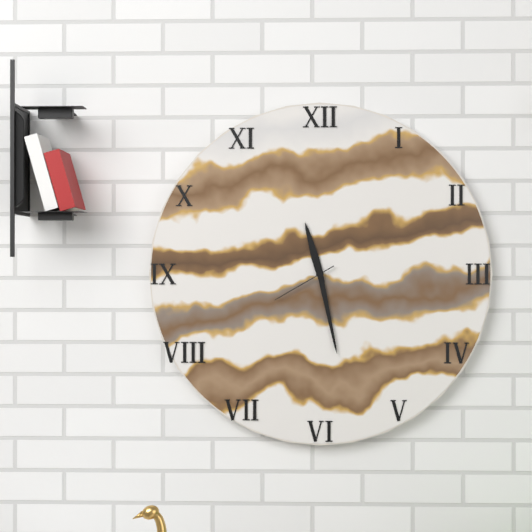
11h28m40s
